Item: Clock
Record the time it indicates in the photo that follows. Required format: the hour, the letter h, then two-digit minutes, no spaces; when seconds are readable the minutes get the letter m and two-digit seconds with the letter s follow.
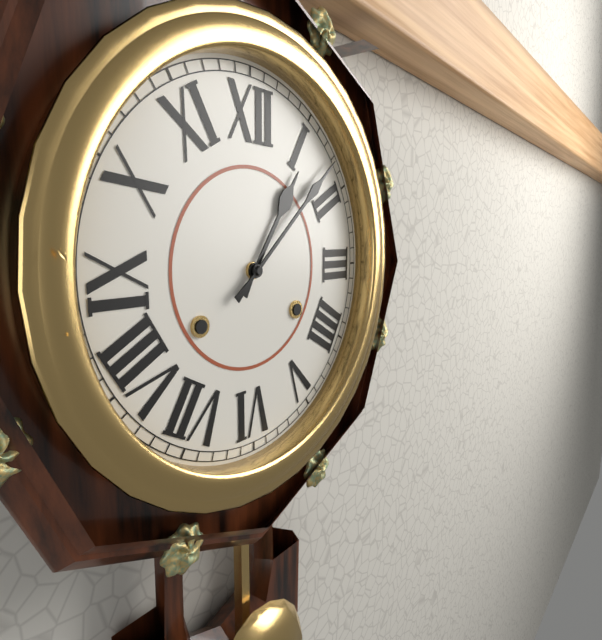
1h08
